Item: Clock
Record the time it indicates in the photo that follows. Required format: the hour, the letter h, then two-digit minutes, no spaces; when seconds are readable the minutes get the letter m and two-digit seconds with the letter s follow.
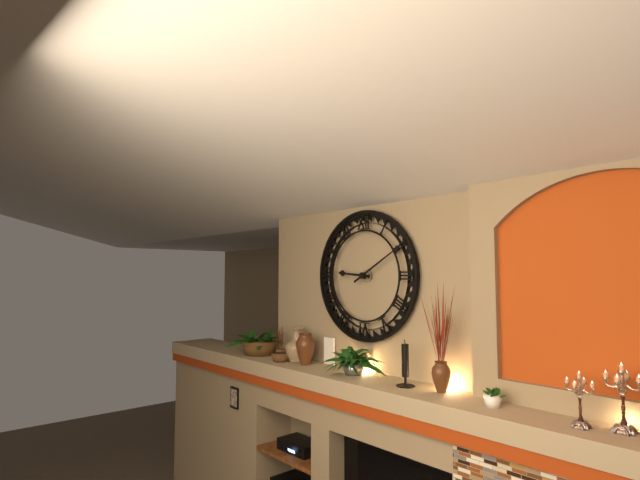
9h10
